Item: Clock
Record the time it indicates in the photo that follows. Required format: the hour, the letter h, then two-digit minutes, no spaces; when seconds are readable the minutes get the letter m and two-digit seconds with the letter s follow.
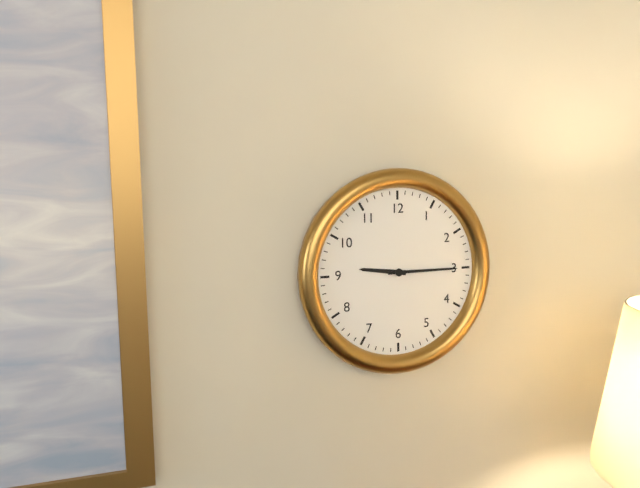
9h15
